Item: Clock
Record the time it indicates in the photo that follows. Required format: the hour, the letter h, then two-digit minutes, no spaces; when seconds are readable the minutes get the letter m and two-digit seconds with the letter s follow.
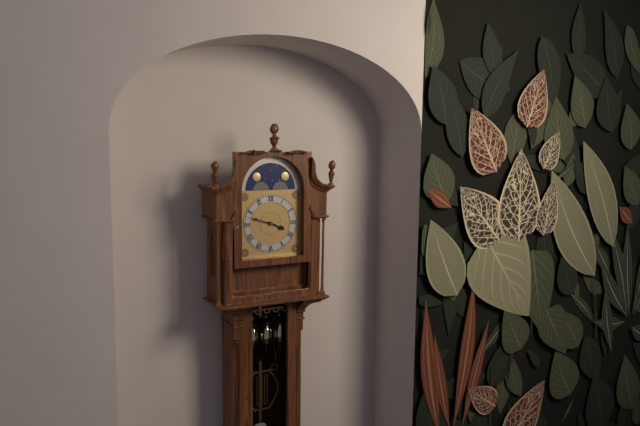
3h48
